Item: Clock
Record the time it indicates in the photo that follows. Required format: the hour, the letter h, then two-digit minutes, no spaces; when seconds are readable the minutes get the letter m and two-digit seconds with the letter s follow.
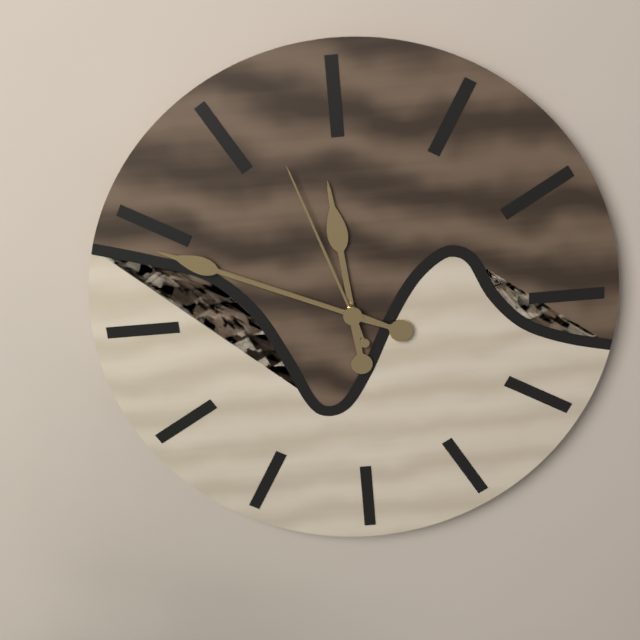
11h49m57s
